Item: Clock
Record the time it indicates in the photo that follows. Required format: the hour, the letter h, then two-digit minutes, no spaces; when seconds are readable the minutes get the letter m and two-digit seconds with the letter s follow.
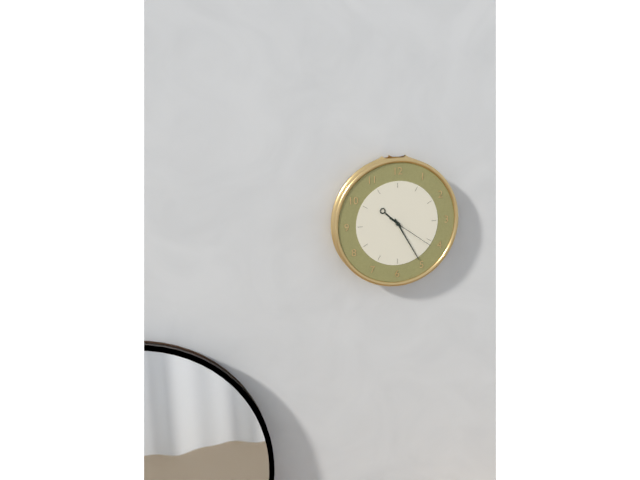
10h25
